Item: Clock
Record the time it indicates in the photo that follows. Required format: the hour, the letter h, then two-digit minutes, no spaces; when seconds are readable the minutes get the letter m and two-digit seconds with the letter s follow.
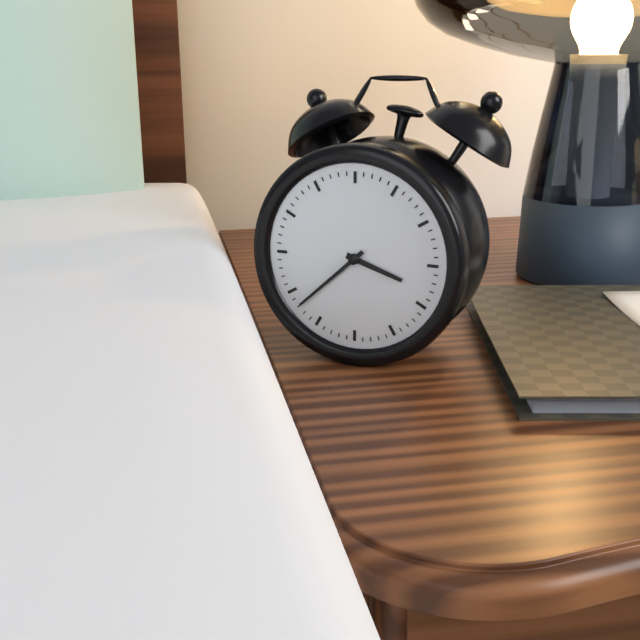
3h38
